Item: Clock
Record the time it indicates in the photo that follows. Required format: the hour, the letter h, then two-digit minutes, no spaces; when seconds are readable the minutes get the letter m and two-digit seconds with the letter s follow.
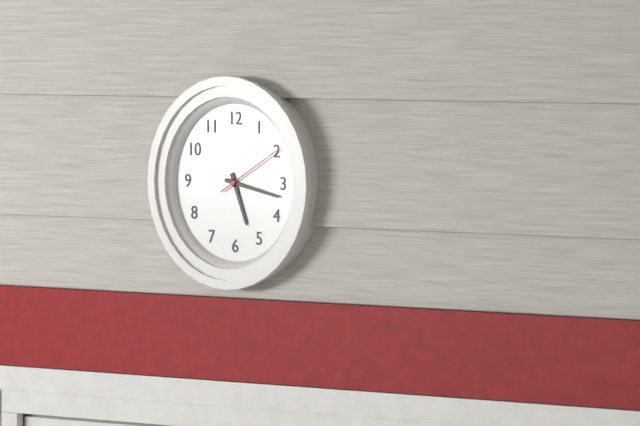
5h17m10s
